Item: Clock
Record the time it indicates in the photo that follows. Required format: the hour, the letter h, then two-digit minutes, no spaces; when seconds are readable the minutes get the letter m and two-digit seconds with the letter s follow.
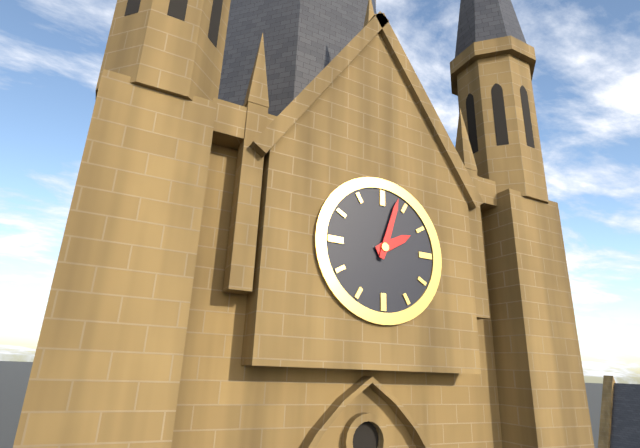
2h03
